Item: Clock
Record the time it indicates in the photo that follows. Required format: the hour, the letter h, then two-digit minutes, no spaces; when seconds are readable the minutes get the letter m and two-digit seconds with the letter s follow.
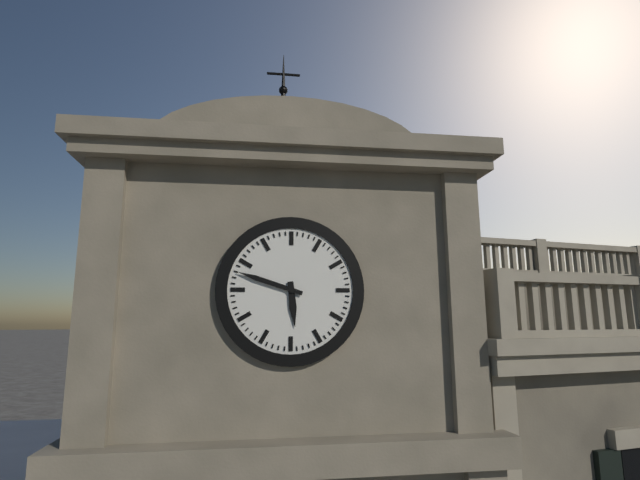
5h48
